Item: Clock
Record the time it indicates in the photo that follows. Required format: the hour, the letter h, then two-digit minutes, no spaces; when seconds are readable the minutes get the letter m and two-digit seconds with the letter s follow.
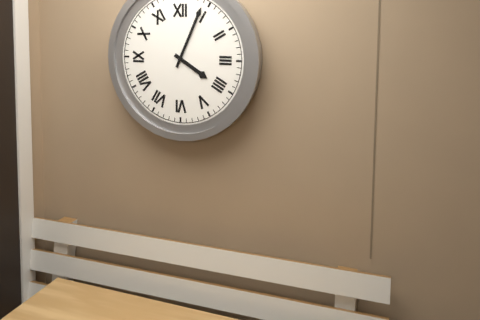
4h04
